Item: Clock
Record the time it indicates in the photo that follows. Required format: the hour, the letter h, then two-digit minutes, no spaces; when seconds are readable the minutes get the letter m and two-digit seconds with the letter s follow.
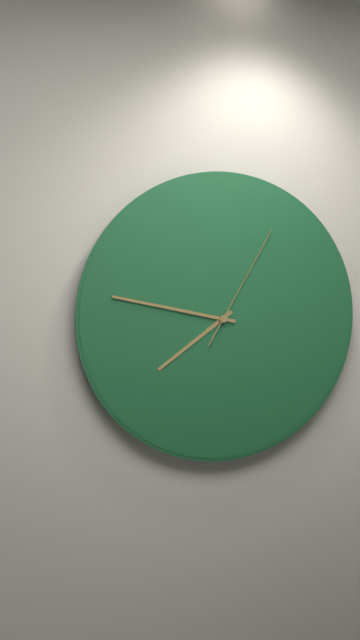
7h47m05s
